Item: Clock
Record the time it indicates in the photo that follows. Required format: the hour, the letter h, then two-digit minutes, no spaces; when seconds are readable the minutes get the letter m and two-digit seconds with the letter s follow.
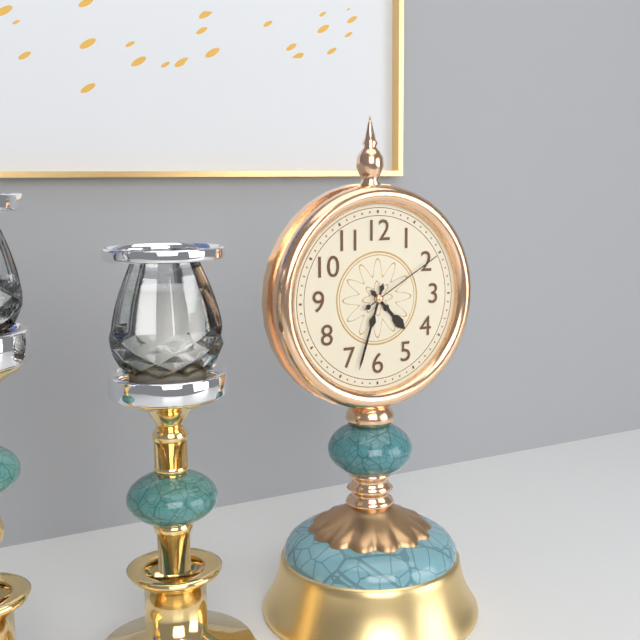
4h33m10s
